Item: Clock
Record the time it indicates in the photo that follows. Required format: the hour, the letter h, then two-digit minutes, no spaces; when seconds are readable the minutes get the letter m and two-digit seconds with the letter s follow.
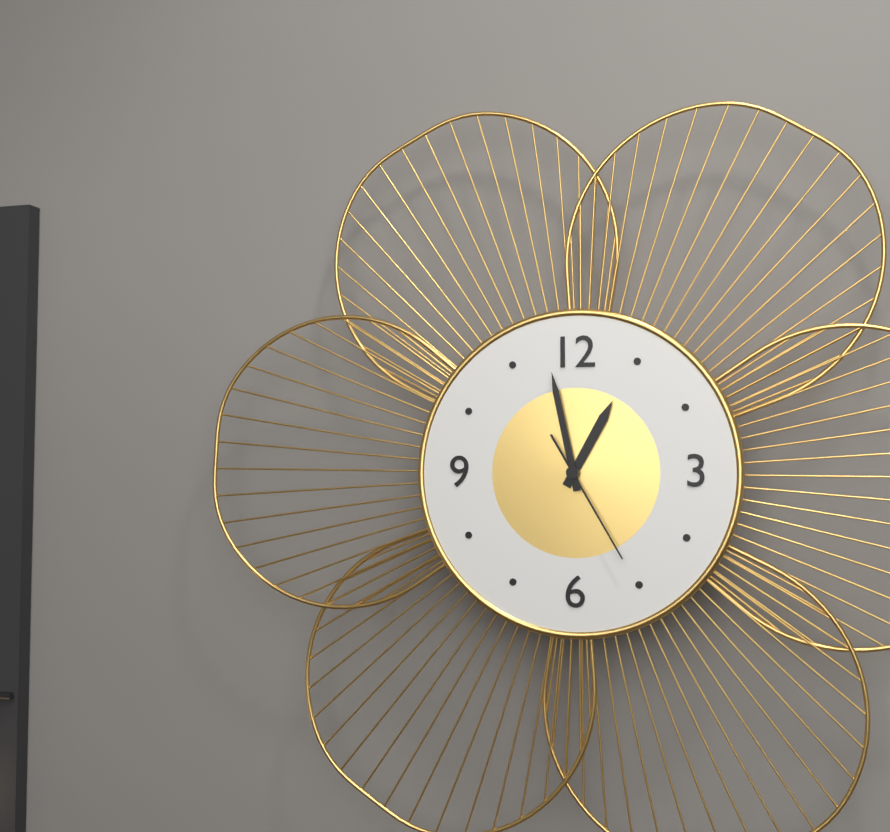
12h58m25s
